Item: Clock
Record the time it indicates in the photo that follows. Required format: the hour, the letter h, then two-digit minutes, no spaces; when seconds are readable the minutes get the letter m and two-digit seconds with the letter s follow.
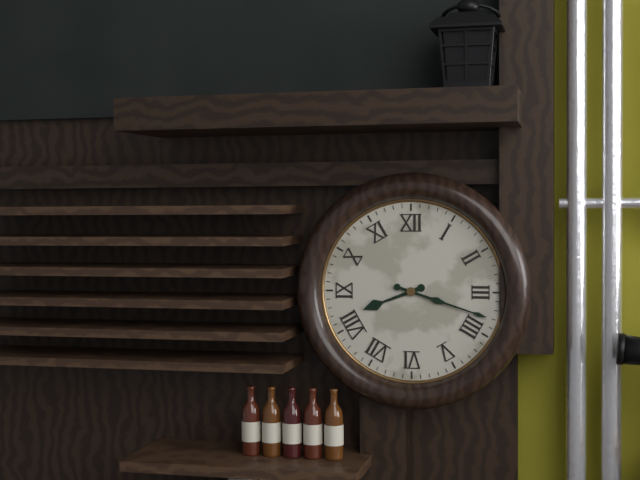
8h18
